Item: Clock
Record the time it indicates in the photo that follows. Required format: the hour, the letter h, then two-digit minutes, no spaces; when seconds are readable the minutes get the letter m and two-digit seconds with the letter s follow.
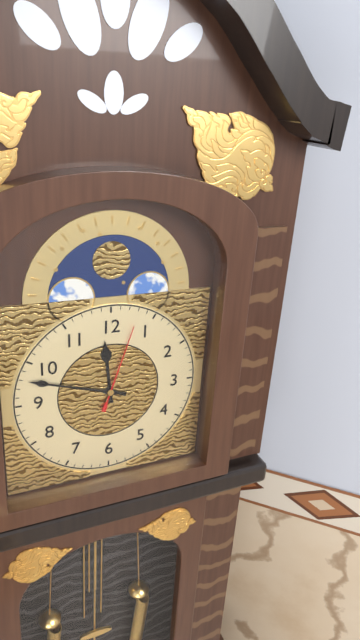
11h48m03s
